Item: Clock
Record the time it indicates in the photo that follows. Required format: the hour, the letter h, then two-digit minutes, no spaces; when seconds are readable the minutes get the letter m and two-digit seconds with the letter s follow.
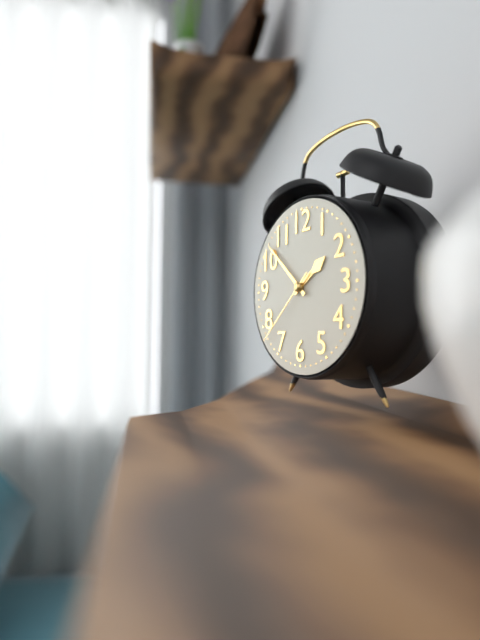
1h52m38s
